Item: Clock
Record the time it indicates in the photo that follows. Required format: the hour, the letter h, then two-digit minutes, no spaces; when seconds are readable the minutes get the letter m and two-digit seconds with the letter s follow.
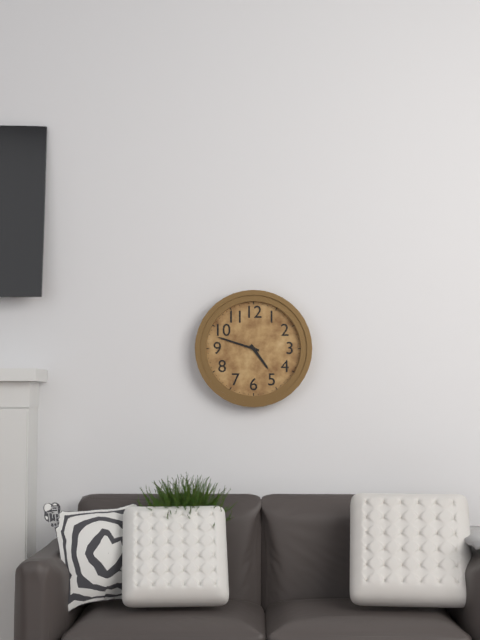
4h48
